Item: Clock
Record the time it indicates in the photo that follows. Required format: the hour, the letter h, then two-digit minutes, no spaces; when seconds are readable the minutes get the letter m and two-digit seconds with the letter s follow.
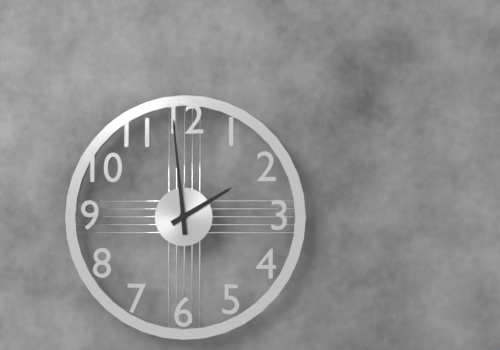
1h59
